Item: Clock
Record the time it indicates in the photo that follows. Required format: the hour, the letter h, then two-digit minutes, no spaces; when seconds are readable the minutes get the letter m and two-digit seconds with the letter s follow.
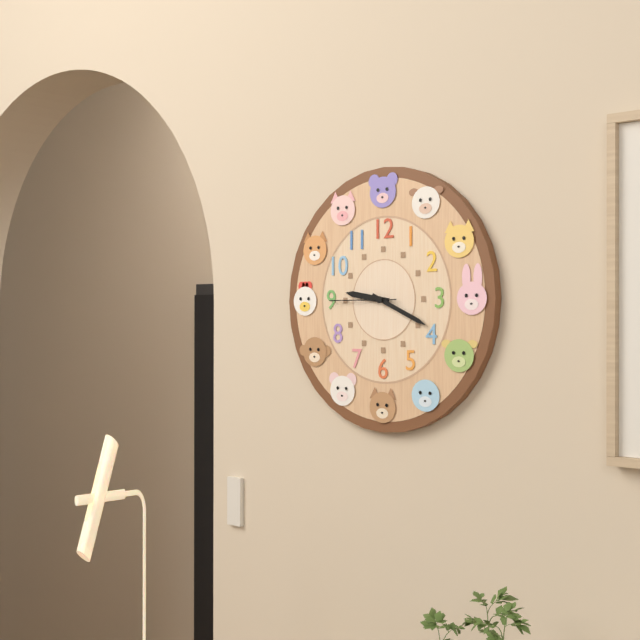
9h19m45s
